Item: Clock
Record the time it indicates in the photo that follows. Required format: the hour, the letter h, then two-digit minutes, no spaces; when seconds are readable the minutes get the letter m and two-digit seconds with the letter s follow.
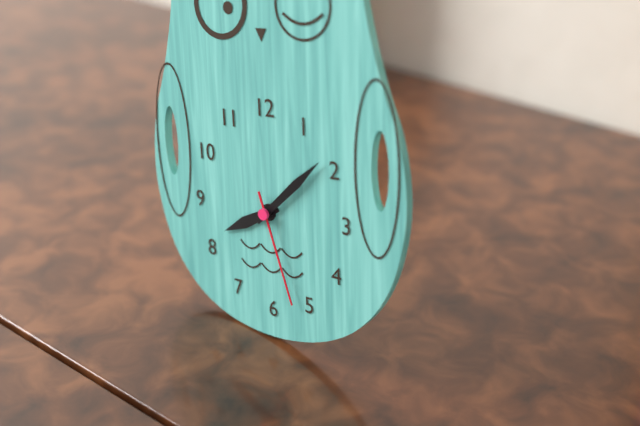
8h08m27s
